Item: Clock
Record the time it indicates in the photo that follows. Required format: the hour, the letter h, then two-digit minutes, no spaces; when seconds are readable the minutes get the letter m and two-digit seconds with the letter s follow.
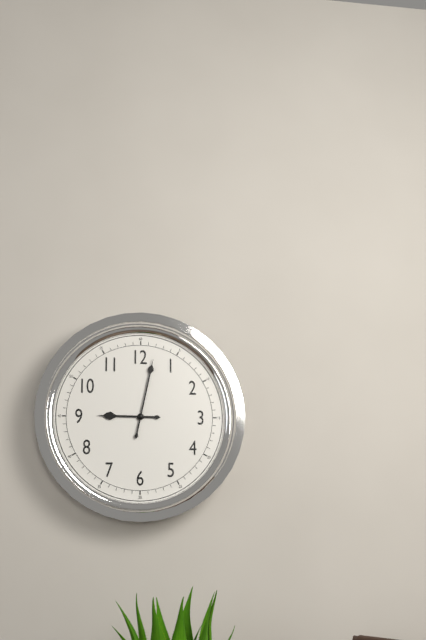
9h02
